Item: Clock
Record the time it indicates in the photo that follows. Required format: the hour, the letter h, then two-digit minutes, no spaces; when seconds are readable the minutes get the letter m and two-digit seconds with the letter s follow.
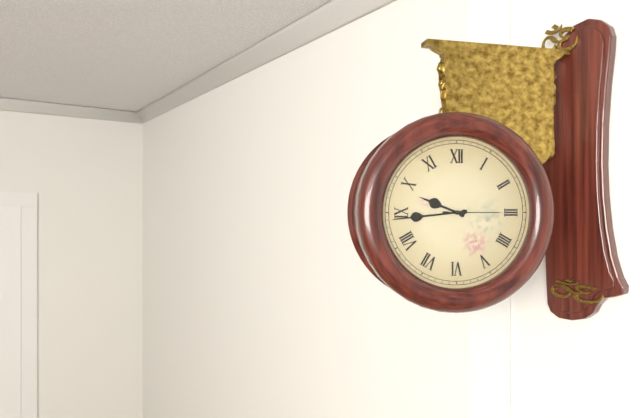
9h44m15s
